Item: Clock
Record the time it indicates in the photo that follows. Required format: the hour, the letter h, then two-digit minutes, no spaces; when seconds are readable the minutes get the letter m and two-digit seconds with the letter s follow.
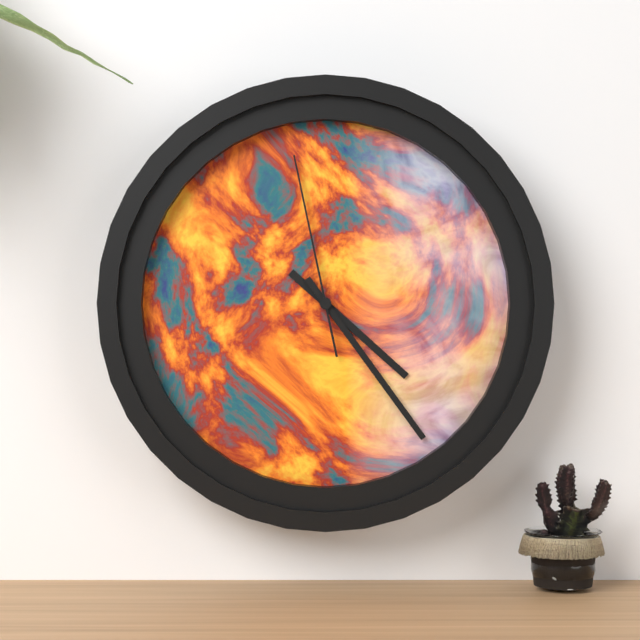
4h24m58s
